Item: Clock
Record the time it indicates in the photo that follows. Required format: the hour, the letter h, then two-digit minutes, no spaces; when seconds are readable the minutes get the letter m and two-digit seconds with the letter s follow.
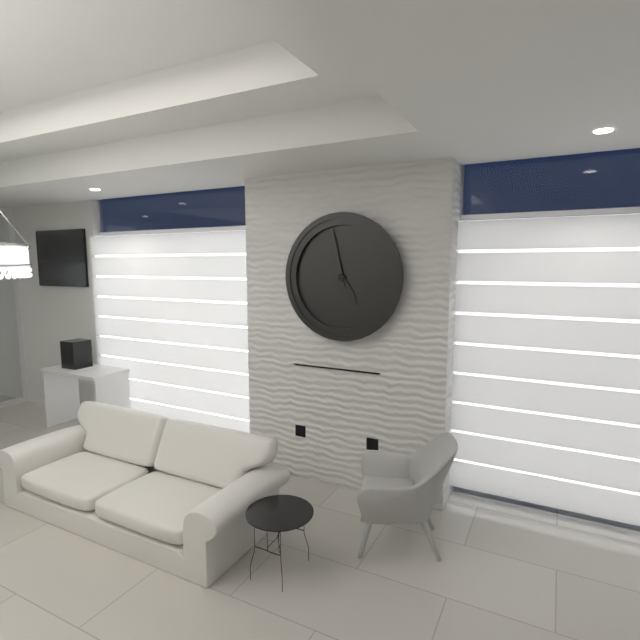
4h58
